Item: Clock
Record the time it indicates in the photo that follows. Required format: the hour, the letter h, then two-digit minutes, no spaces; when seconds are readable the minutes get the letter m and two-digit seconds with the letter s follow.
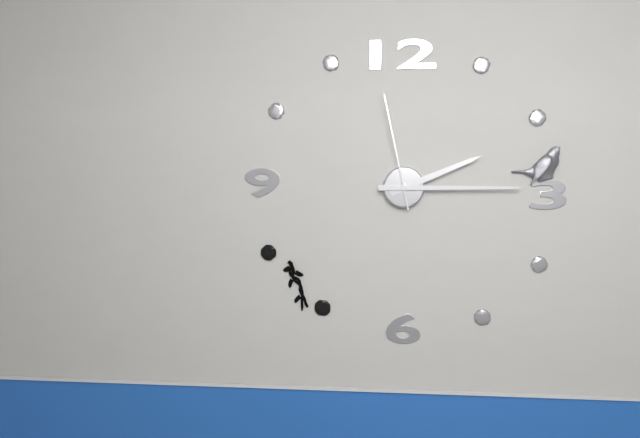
2h15m58s
